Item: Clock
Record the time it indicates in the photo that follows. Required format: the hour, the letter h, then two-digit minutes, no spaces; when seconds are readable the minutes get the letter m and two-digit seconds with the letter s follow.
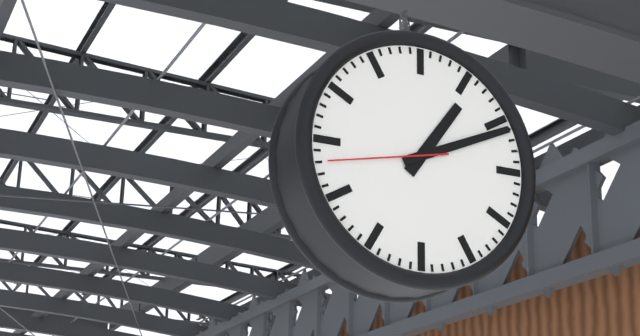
1h11m43s
